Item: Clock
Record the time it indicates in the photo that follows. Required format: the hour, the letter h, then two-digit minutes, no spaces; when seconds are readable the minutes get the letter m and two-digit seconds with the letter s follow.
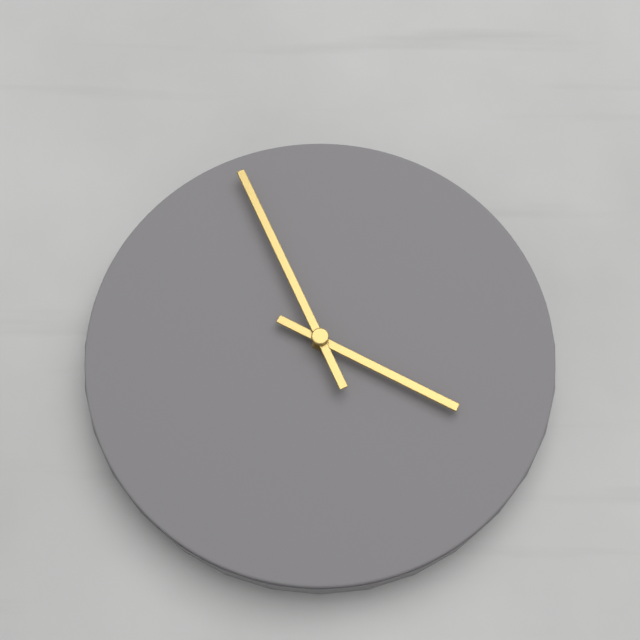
3h56
